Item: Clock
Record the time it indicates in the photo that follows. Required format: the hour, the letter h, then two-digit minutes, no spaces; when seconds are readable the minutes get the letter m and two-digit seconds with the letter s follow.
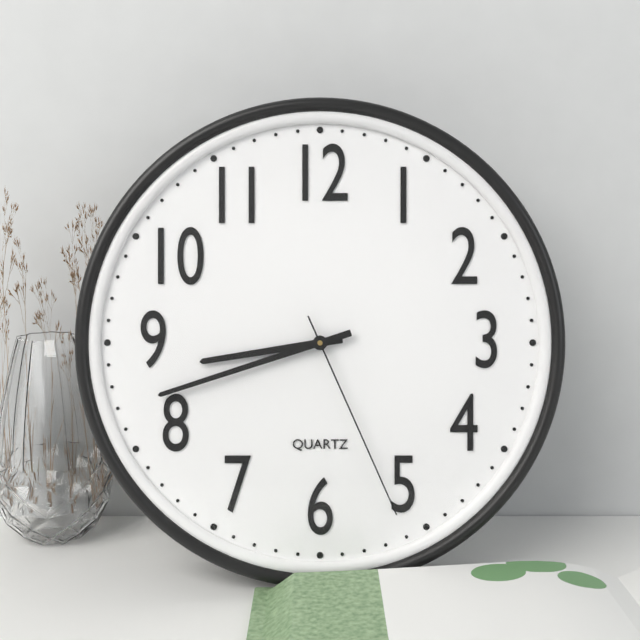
8h42m26s
